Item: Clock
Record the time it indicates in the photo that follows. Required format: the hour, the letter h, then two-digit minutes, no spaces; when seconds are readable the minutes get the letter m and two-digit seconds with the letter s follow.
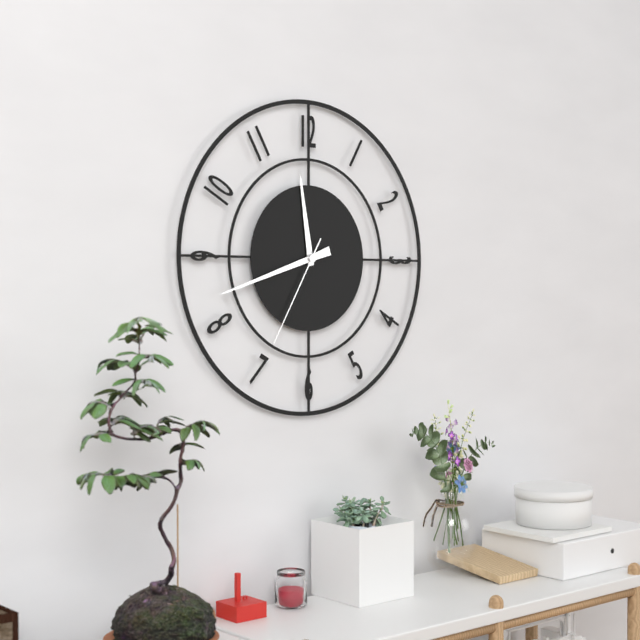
11h42m35s
